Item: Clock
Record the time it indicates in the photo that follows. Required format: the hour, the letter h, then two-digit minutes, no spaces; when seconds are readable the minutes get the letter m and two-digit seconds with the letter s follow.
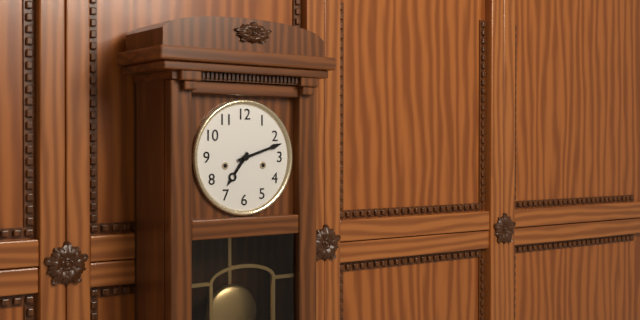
7h12
